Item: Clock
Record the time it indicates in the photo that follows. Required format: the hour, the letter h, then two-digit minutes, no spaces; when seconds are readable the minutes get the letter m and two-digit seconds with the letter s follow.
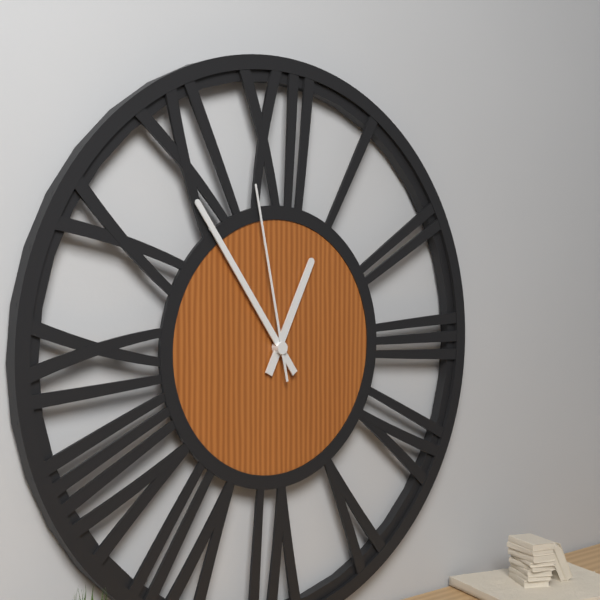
12h54m58s
